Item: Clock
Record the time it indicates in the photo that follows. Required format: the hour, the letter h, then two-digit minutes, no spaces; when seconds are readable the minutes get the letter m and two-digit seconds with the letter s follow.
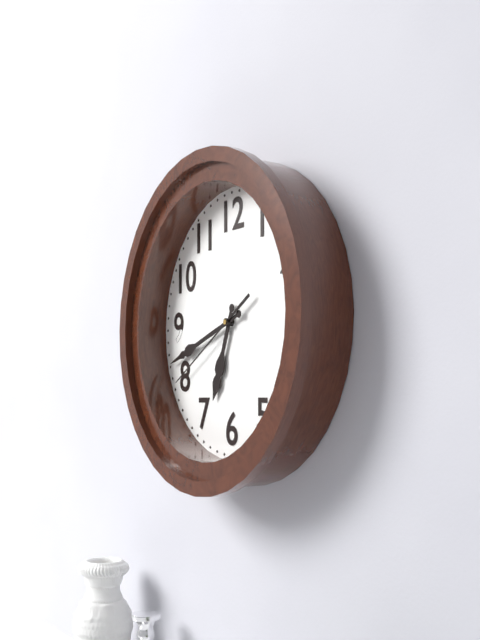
6h42m40s
